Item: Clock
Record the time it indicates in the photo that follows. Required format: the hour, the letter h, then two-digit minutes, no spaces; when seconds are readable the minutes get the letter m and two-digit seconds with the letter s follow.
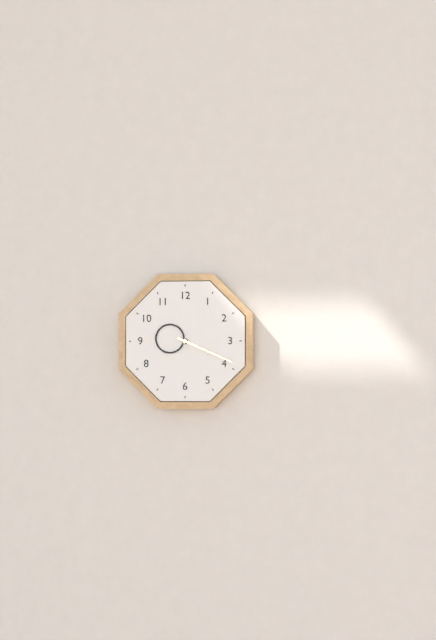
9h19
